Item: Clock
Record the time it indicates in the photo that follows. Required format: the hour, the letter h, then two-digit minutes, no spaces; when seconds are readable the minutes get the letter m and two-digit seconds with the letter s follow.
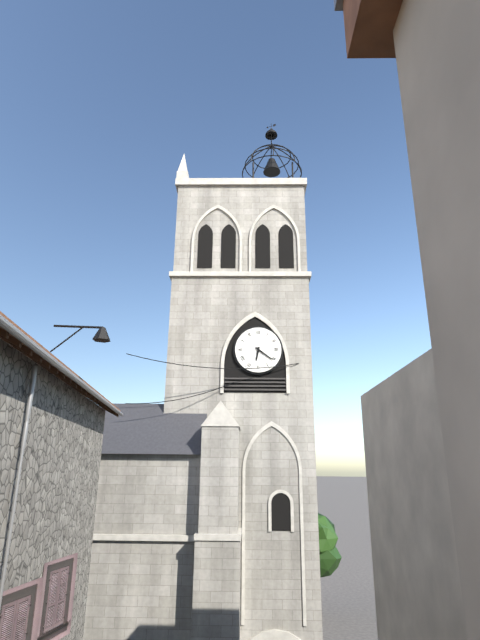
6h21
